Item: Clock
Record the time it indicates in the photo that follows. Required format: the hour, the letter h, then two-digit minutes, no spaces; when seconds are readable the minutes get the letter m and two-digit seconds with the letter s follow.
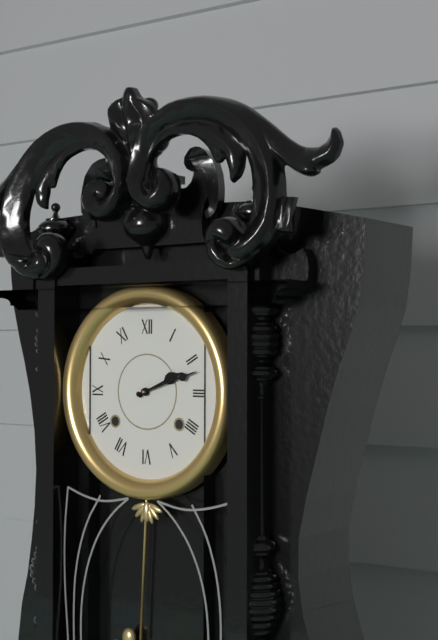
2h12
